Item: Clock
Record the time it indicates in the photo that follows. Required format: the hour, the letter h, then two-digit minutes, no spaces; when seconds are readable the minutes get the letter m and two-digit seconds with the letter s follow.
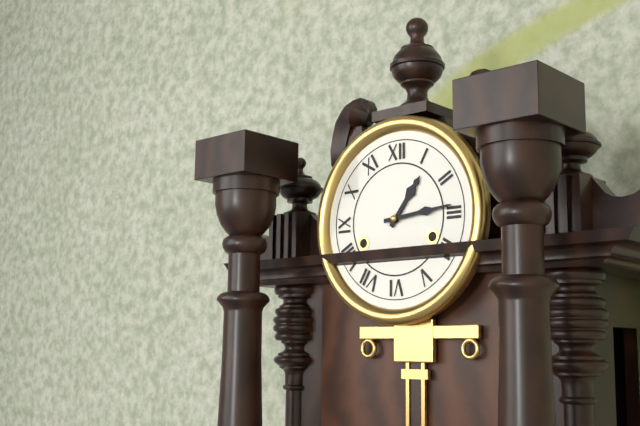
1h14
